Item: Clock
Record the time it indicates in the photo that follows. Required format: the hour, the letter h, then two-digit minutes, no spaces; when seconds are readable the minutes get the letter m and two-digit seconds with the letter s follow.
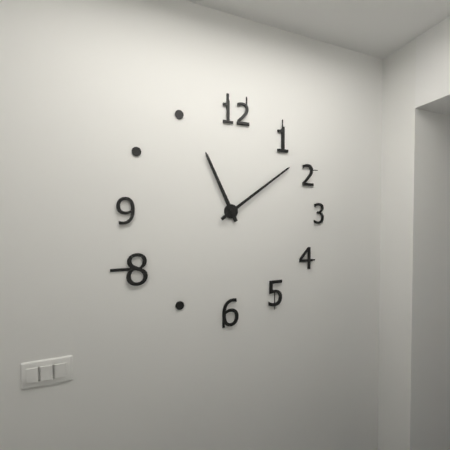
11h09
